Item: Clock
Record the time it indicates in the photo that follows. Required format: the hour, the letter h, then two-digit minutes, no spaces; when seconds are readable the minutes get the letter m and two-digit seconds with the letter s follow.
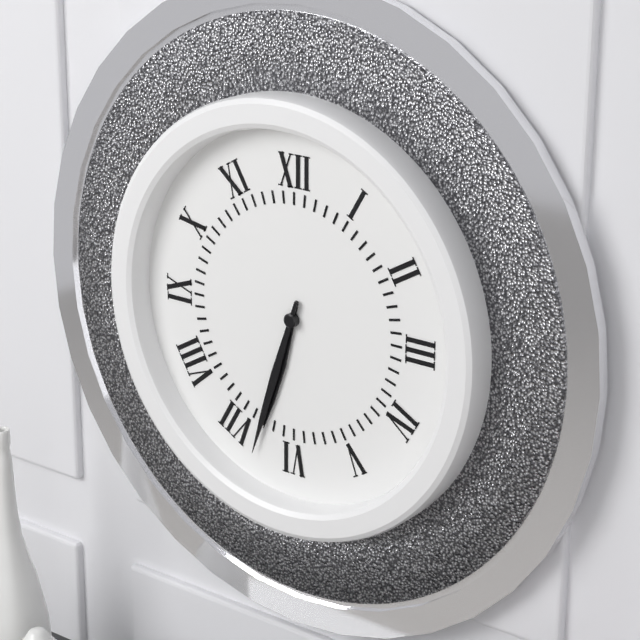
6h33
